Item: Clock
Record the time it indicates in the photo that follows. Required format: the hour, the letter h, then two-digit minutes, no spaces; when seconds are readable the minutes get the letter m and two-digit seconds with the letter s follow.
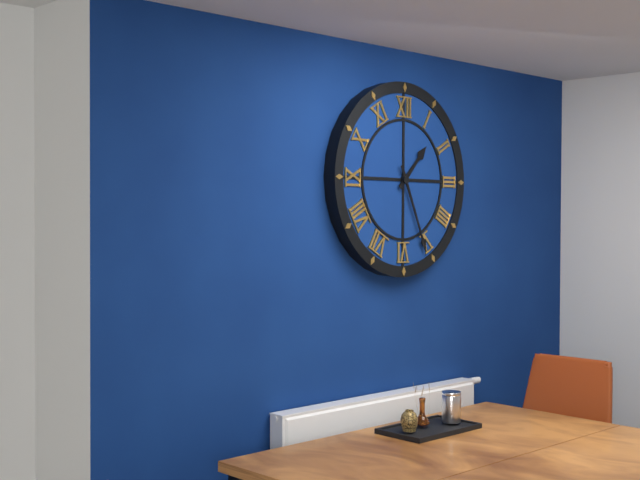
1h26
